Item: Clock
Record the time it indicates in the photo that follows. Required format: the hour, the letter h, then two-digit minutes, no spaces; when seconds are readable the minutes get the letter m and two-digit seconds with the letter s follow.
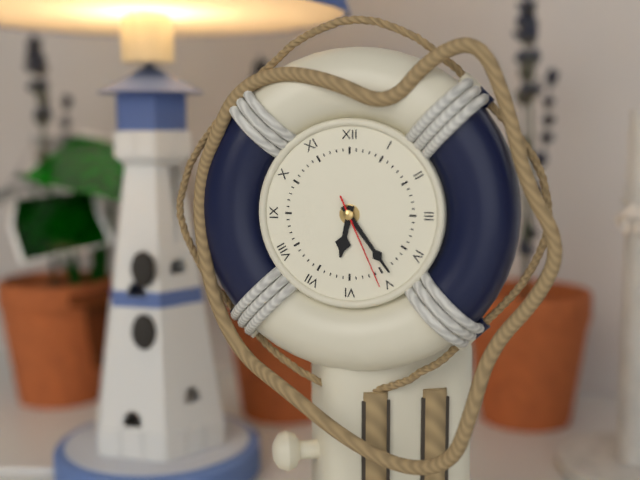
6h24m26s
